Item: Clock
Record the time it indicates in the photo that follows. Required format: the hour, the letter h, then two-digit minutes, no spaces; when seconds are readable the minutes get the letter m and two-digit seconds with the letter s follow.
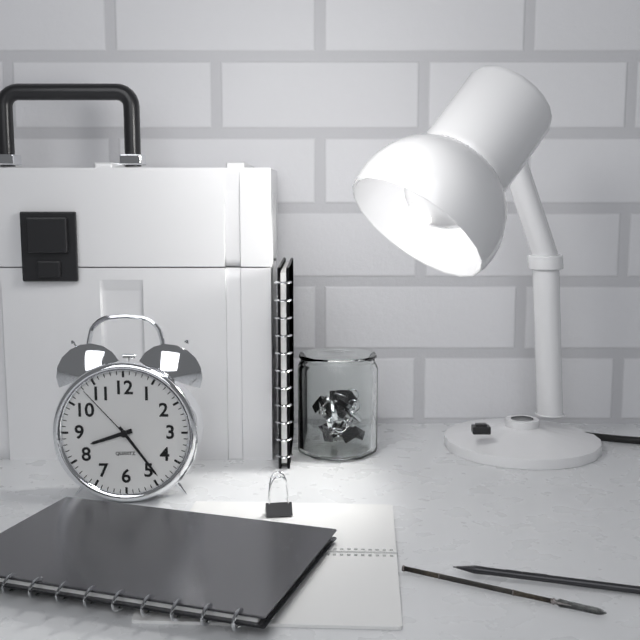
8h24m53s
